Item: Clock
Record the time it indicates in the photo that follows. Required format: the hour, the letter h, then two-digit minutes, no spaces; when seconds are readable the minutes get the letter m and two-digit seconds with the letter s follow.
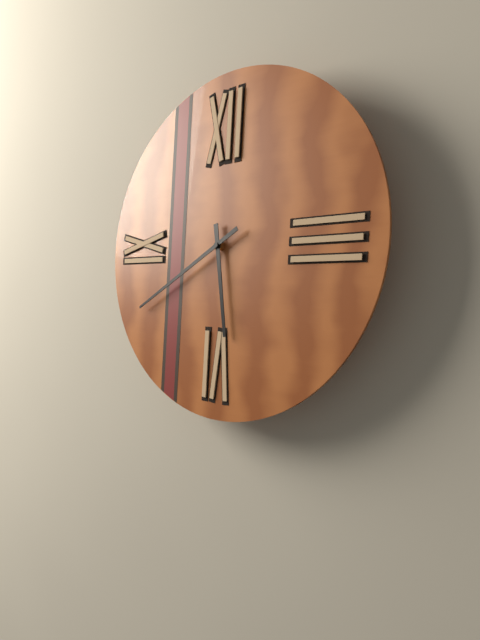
5h40
